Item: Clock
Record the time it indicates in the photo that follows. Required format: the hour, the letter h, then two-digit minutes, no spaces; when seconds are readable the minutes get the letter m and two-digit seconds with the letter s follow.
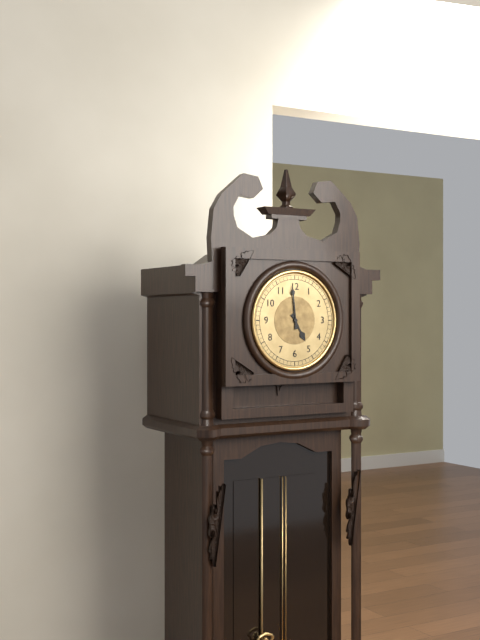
4h59
